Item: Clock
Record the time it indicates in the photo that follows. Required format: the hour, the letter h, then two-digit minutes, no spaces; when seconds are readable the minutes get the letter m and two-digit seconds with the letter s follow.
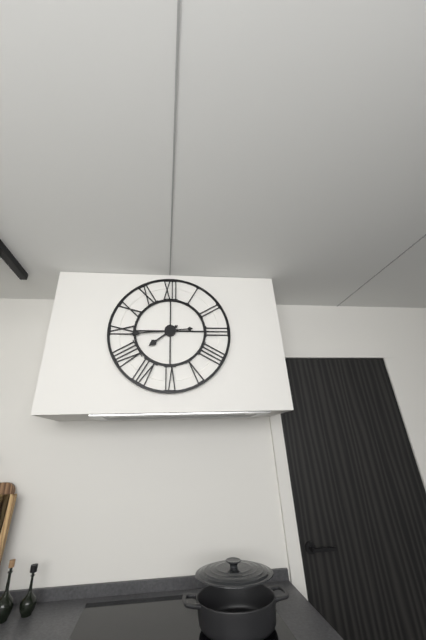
7h44
